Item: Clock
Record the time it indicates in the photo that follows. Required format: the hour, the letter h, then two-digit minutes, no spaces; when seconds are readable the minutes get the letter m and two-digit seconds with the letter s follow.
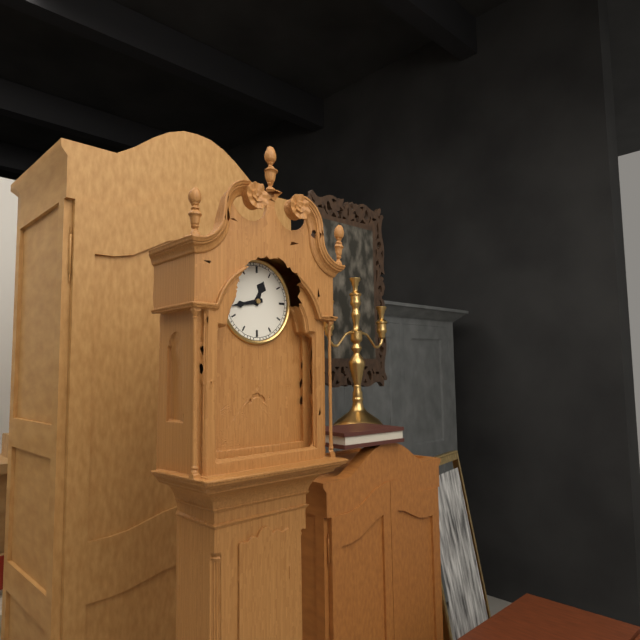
12h43
